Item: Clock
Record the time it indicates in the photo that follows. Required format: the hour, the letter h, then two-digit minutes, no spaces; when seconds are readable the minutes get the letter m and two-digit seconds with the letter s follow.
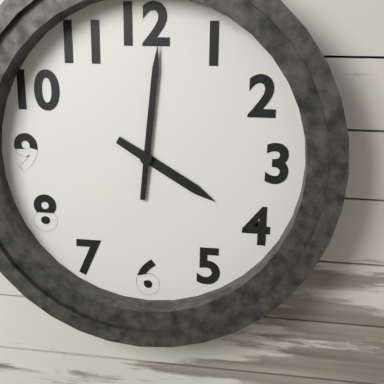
4h01
